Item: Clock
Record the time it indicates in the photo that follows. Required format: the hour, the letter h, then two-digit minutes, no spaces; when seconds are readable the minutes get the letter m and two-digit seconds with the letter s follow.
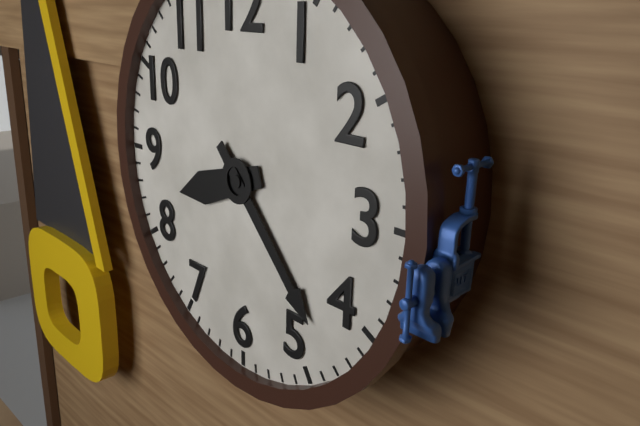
8h23
